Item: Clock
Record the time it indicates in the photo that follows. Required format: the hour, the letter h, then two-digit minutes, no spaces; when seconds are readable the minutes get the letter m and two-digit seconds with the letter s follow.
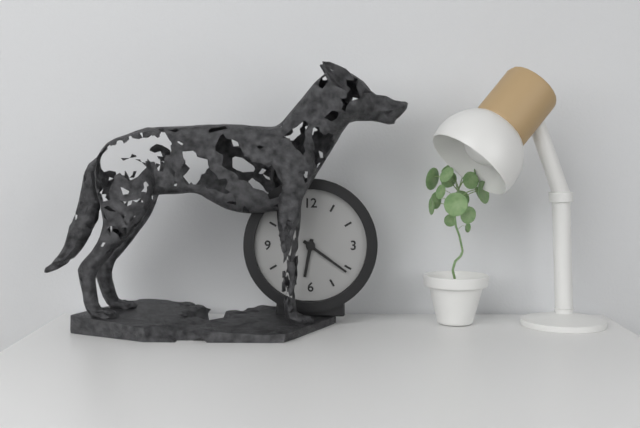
6h21
